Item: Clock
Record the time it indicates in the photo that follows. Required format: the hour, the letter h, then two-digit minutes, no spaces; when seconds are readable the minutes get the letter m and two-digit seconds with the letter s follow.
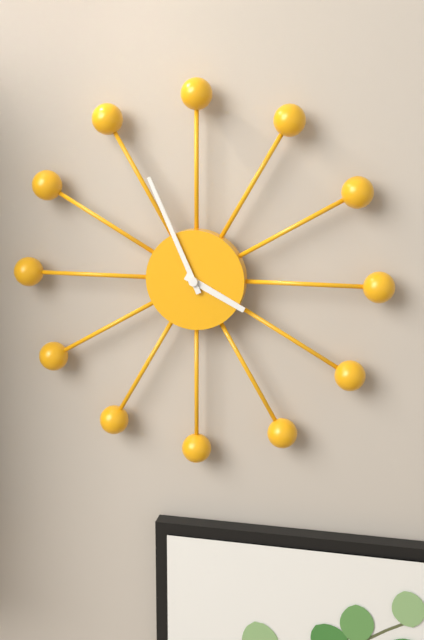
3h56
